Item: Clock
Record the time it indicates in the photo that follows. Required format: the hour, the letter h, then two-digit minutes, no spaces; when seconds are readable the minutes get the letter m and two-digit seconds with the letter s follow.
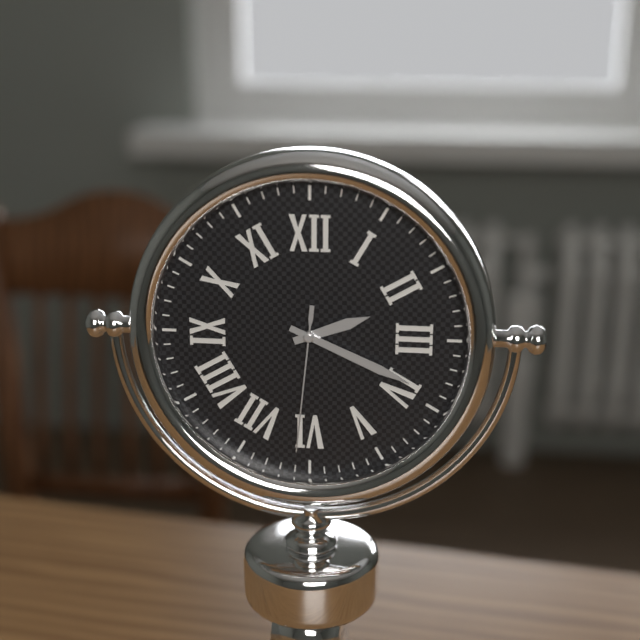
2h19m31s
